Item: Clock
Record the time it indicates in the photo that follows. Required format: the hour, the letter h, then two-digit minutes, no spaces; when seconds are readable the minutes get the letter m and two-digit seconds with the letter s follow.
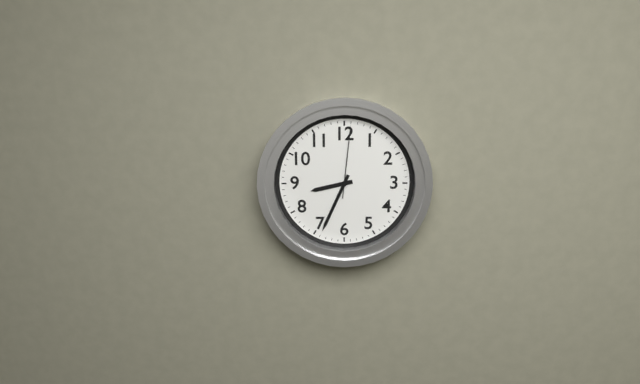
8h34m01s
